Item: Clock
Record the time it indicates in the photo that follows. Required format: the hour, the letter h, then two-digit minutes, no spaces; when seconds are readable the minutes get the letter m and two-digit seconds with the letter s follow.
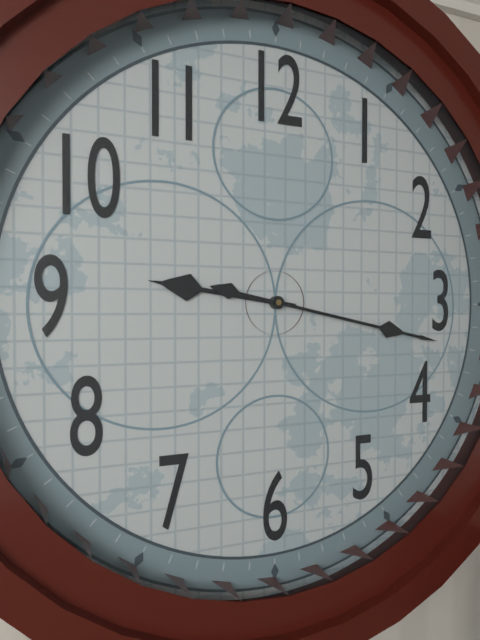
9h17
